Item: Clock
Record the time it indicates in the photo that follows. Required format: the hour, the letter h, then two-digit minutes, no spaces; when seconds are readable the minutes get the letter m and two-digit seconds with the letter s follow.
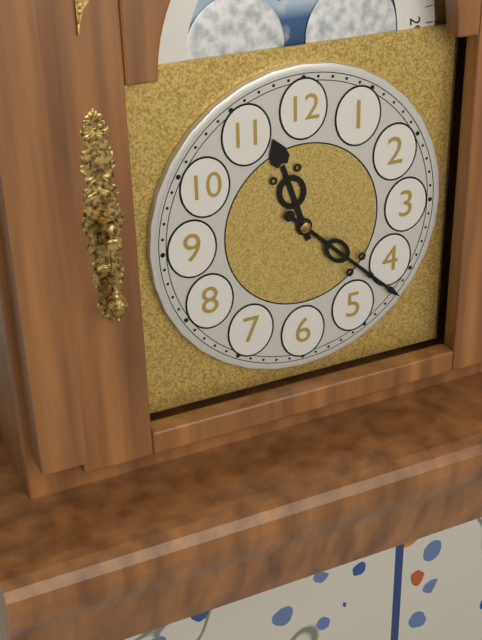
11h22
